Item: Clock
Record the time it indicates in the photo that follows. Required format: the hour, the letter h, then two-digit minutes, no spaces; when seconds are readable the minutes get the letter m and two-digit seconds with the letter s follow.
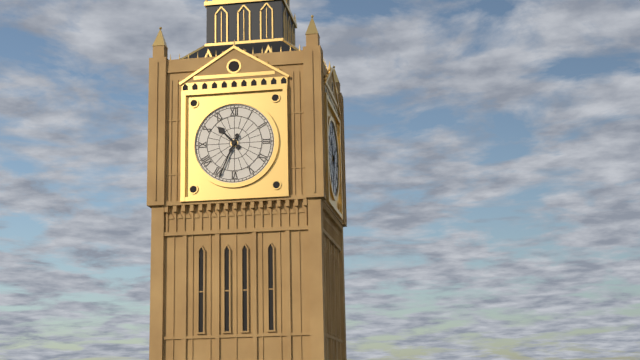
10h34
